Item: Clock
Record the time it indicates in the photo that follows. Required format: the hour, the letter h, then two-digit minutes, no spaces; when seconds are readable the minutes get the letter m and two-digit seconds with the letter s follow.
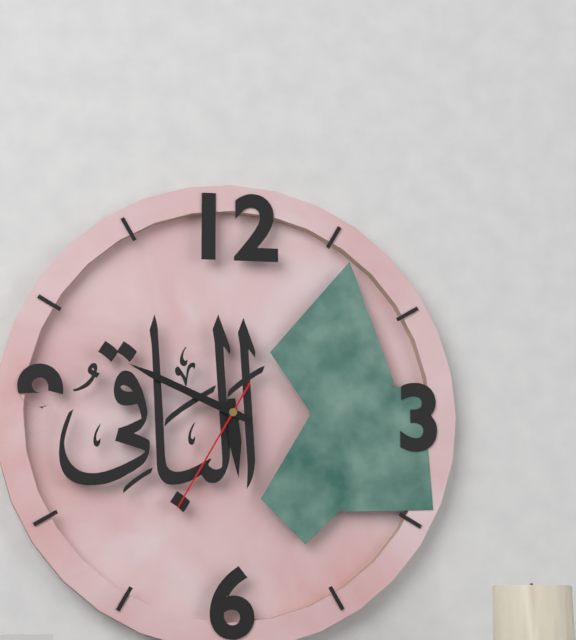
5h49m35s
